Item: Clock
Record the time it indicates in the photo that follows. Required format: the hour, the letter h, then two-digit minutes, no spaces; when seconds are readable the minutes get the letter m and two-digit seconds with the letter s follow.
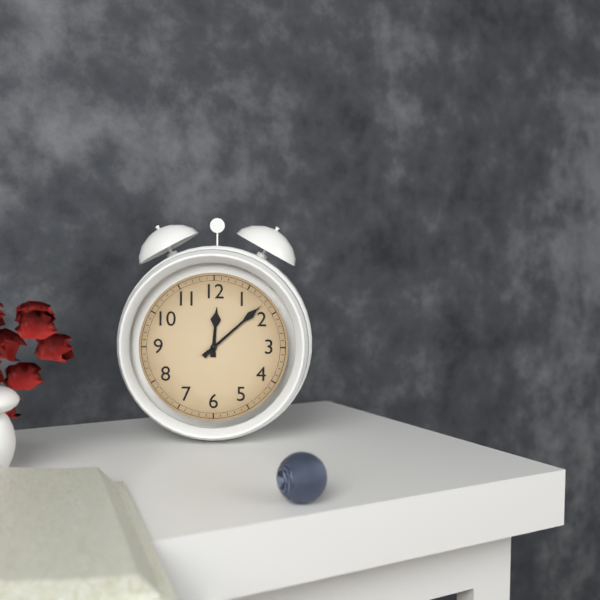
12h08
